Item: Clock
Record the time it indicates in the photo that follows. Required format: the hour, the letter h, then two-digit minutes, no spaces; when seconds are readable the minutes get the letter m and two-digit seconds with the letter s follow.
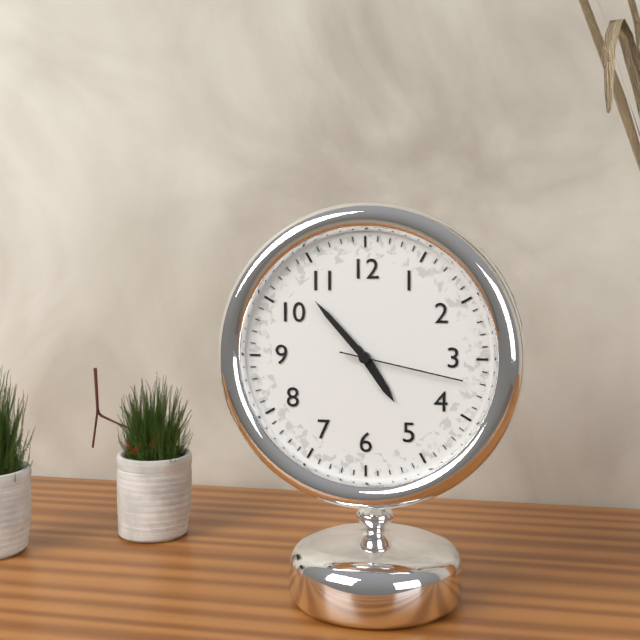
4h53m17s
